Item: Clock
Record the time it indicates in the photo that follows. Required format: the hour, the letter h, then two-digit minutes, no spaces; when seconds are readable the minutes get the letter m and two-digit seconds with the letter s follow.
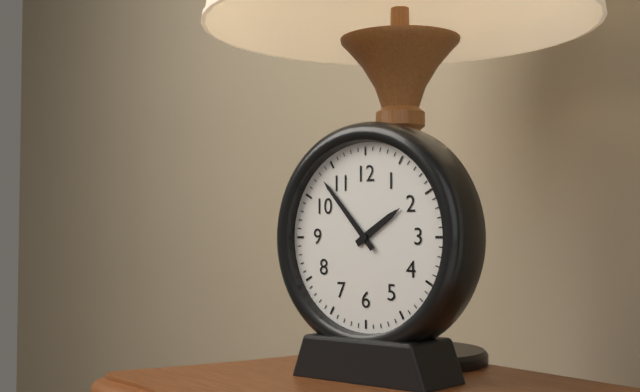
1h53
